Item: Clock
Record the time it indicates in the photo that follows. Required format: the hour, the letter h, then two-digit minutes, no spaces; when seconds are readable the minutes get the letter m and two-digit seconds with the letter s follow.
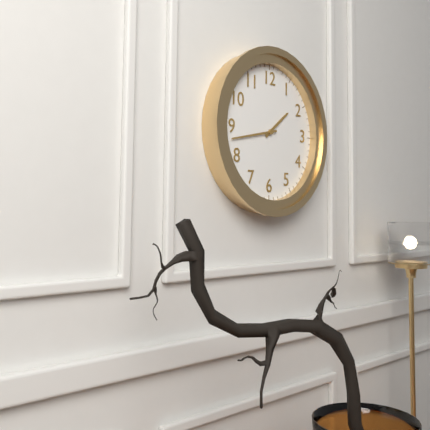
1h43
